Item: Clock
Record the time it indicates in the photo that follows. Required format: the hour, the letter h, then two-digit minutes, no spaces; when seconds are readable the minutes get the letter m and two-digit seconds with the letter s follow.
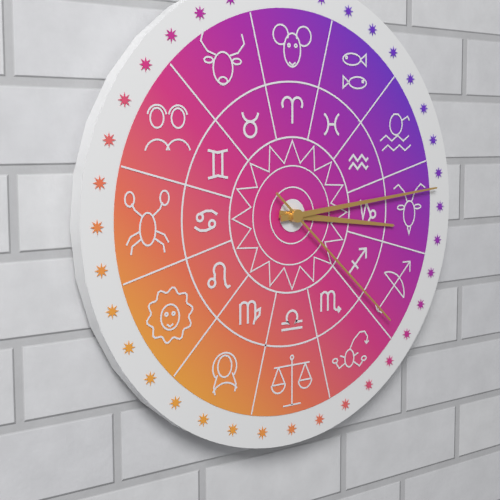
3h14m22s
